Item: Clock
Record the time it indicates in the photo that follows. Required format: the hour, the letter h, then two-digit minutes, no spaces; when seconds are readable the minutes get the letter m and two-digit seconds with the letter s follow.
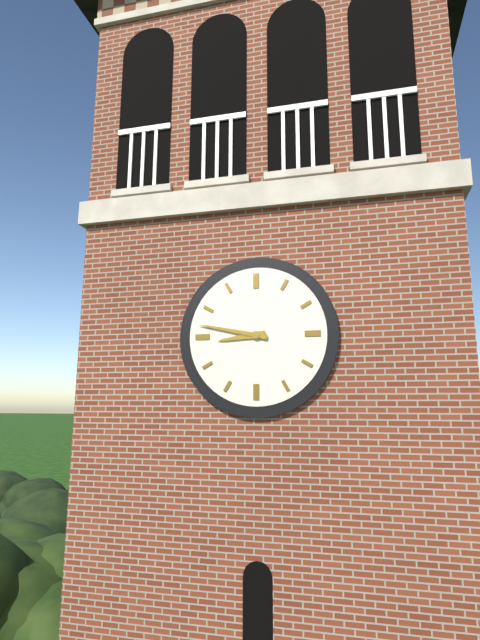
8h47
